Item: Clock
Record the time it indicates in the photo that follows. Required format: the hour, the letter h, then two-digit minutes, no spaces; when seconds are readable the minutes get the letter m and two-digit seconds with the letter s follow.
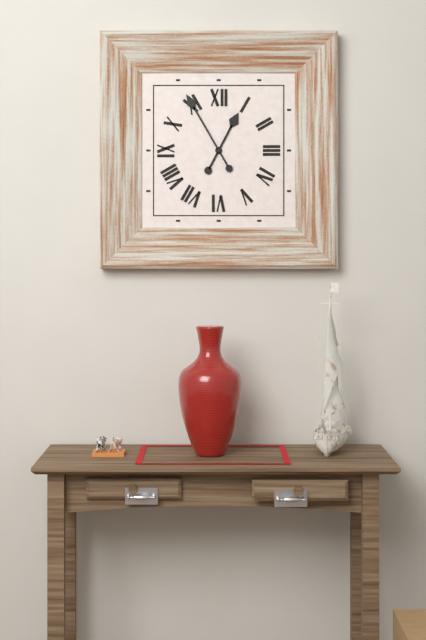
12h55
